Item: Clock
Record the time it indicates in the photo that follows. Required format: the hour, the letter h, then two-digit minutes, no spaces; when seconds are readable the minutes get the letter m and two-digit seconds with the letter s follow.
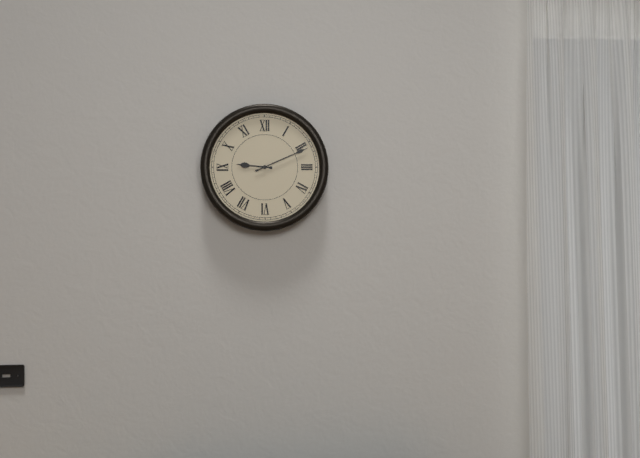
9h11
